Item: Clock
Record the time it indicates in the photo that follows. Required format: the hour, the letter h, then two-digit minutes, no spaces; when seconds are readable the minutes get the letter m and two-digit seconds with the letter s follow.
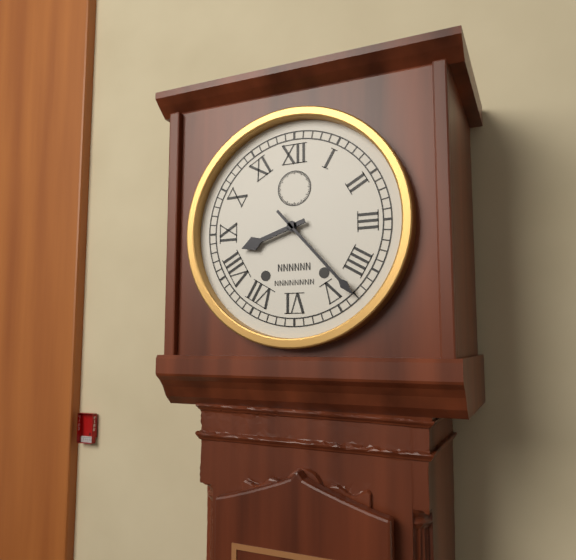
8h23
